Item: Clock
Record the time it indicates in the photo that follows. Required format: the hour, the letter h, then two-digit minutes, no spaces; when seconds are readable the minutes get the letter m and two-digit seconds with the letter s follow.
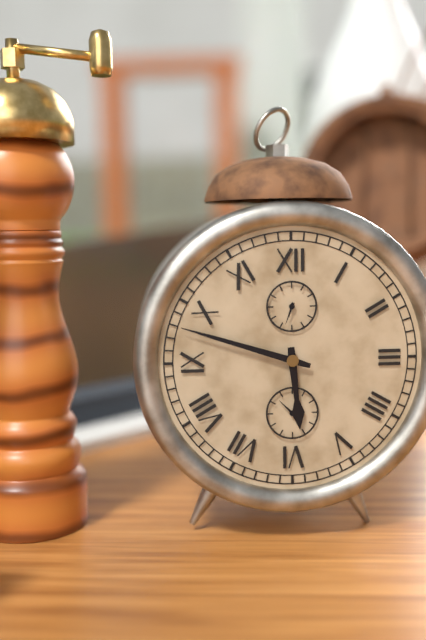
5h48
